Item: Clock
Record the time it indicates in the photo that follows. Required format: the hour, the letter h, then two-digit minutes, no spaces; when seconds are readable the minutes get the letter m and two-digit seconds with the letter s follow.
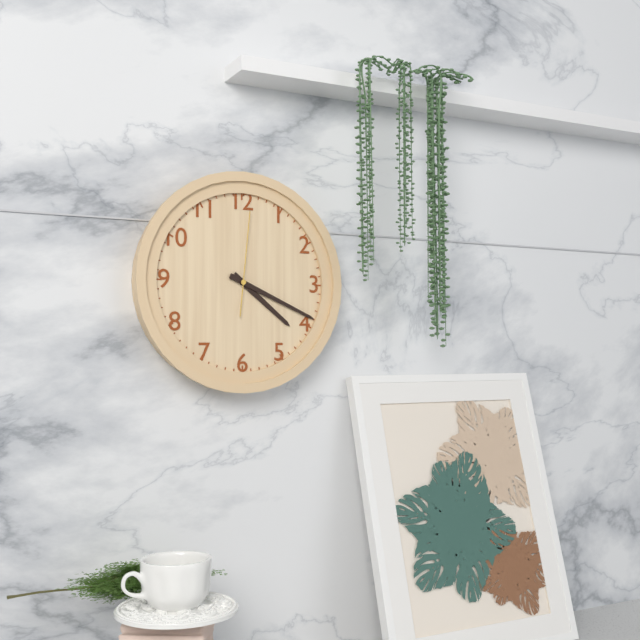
4h19m01s
